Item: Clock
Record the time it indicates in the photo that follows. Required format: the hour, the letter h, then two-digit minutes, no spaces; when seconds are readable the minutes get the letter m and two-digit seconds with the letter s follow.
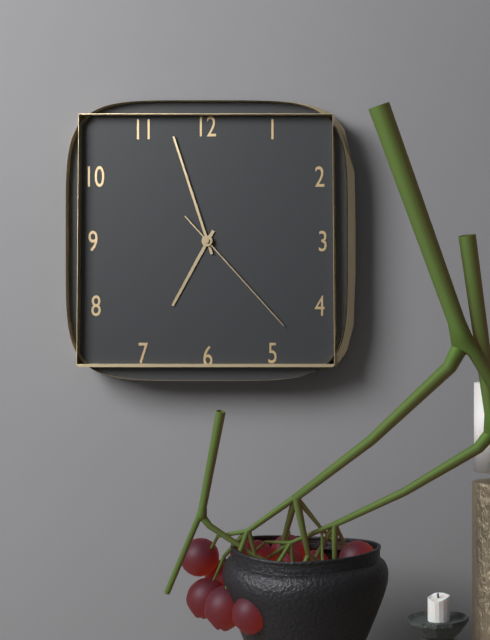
6h57m23s
